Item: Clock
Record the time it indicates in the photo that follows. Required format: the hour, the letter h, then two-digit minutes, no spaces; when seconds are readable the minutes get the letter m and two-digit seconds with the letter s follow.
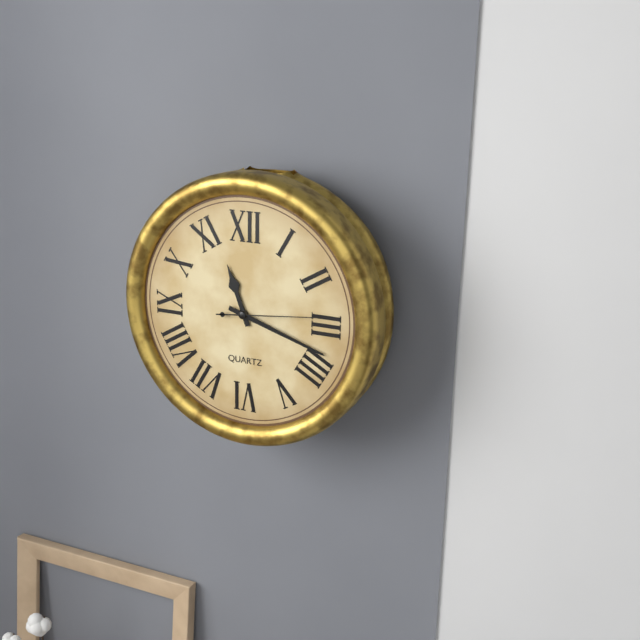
11h18m14s
